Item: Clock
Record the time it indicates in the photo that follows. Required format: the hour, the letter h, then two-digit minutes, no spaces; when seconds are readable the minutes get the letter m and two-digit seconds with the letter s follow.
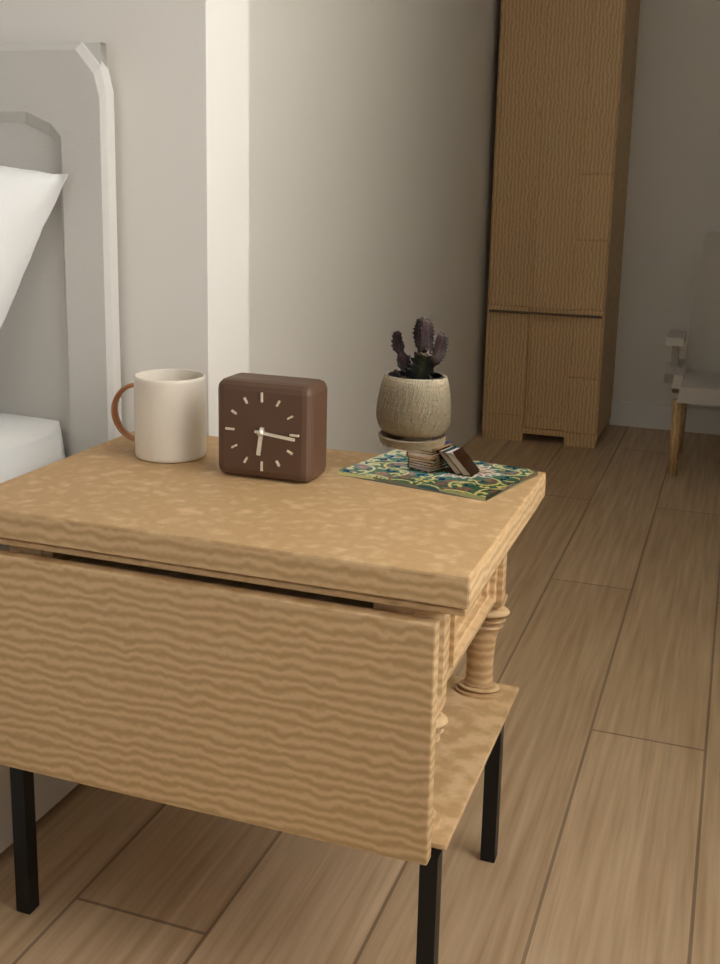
6h16
